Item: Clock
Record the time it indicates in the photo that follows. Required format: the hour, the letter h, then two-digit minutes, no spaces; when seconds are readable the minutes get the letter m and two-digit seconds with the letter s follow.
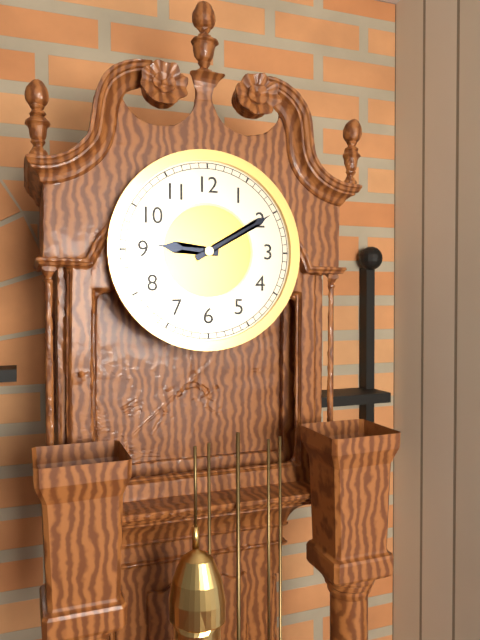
9h10
